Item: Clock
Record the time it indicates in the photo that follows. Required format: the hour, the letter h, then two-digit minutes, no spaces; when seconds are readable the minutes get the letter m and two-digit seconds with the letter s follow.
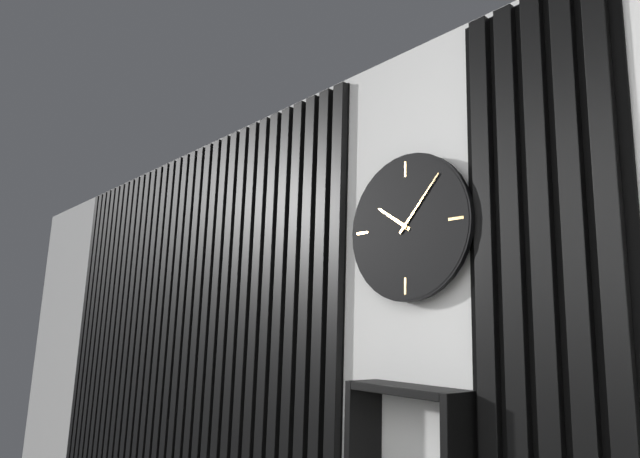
10h07
